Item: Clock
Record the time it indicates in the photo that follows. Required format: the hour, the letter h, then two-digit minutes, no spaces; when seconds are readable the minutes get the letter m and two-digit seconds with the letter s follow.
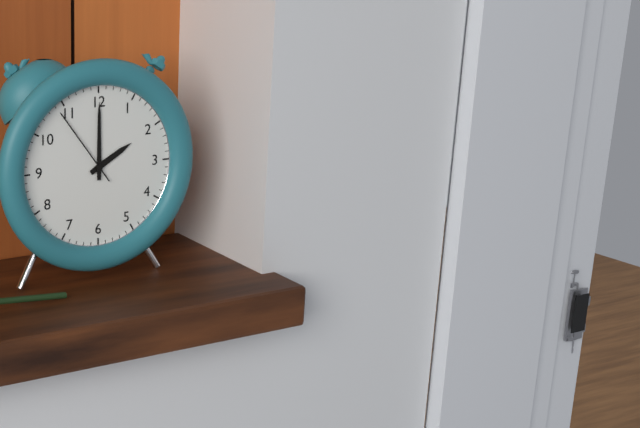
2h00m54s
